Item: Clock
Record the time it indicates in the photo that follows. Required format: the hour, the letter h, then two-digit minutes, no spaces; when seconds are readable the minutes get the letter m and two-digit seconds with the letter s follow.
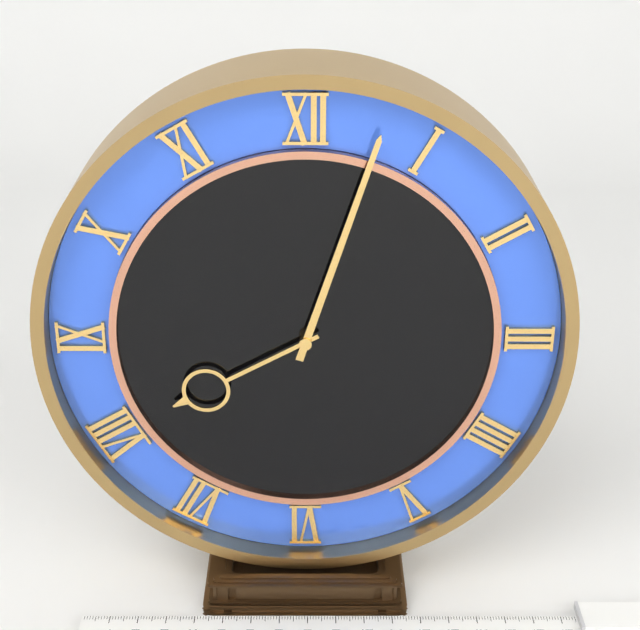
8h03
